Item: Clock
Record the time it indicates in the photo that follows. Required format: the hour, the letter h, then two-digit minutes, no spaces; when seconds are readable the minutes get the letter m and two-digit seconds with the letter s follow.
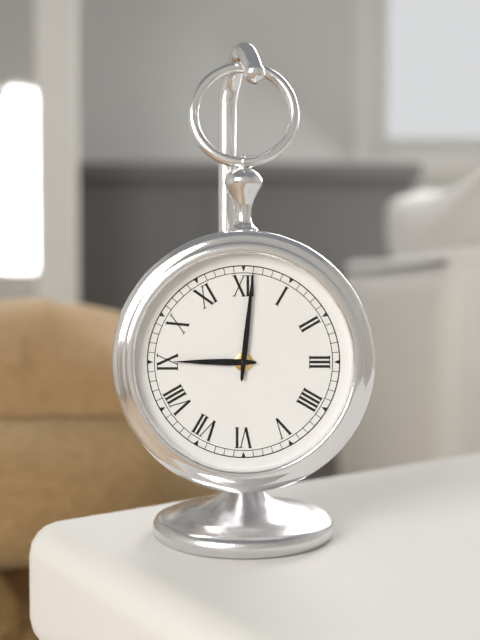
9h01
